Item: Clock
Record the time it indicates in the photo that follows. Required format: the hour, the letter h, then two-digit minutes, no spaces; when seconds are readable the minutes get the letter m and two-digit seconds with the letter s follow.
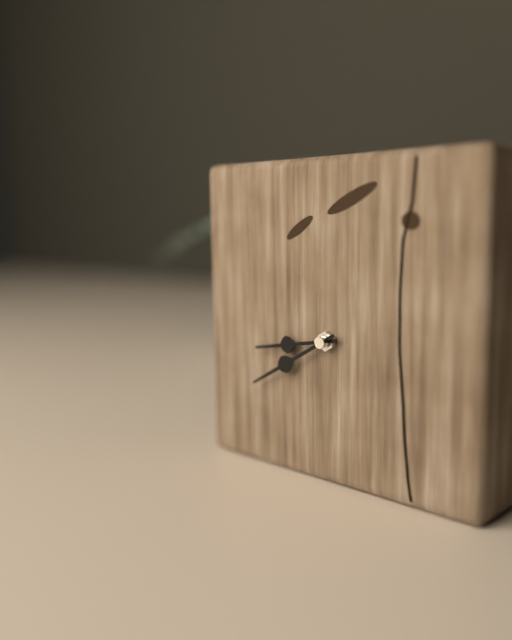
8h40
